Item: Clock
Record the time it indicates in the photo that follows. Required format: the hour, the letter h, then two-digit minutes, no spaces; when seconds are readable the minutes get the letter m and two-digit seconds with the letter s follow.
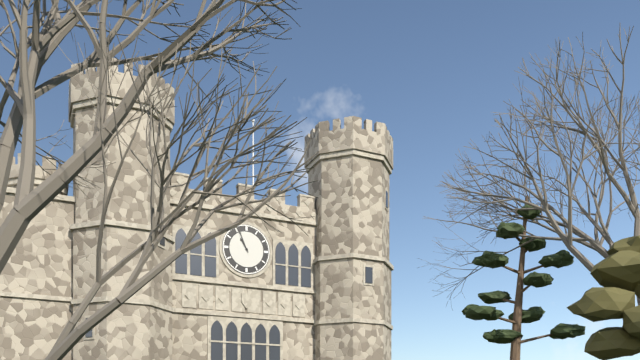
10h56
